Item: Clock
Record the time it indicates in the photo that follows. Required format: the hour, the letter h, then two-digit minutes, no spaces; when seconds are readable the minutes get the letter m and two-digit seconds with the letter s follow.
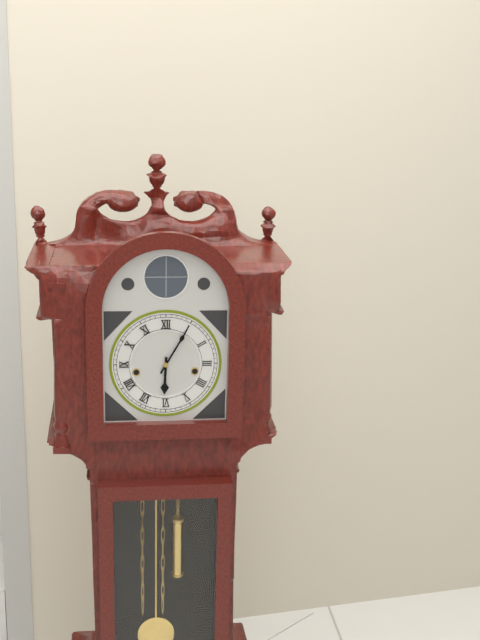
6h05
